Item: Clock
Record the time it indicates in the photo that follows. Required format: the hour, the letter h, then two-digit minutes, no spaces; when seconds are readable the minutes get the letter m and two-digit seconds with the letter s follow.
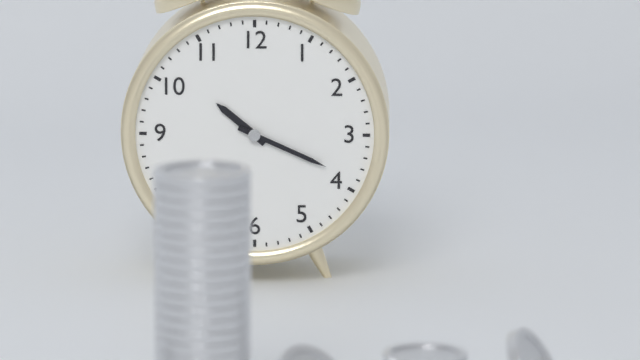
10h19
